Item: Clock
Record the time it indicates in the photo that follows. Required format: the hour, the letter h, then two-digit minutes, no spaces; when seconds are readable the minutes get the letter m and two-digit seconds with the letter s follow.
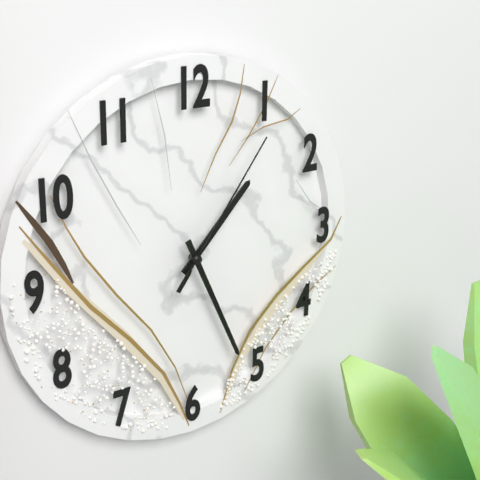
1h26m06s
